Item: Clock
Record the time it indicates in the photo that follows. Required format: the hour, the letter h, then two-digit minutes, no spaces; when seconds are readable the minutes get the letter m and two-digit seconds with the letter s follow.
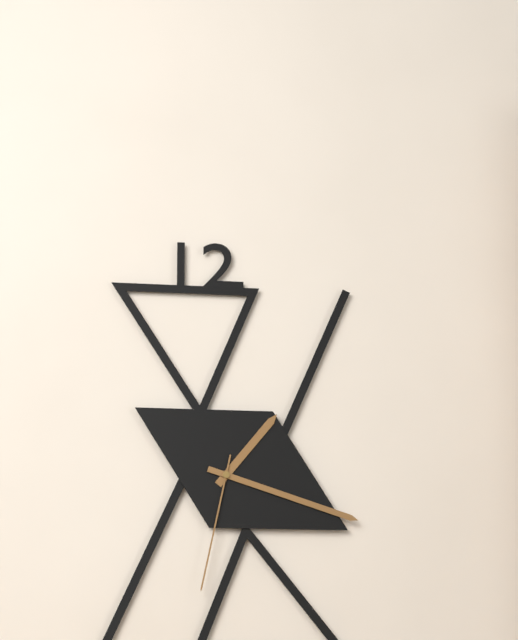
1h18m32s
